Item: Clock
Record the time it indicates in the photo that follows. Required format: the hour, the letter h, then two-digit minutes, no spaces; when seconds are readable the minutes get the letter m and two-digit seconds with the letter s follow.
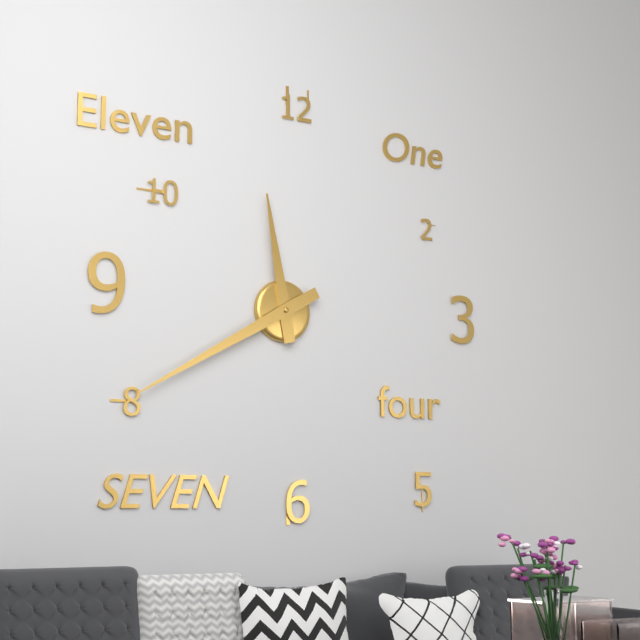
11h40
